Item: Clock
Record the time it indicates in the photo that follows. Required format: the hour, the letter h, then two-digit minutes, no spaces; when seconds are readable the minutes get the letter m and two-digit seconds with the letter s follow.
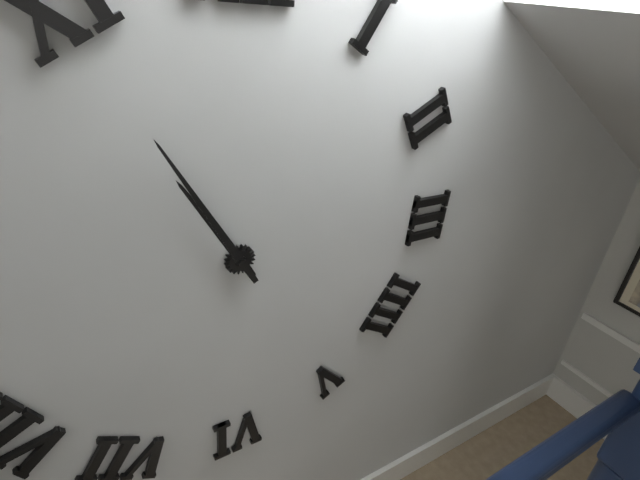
10h55
